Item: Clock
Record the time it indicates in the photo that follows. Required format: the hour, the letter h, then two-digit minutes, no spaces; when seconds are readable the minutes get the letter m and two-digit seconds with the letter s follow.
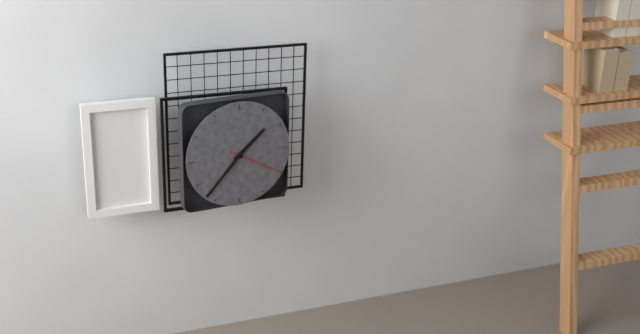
1h37m20s
